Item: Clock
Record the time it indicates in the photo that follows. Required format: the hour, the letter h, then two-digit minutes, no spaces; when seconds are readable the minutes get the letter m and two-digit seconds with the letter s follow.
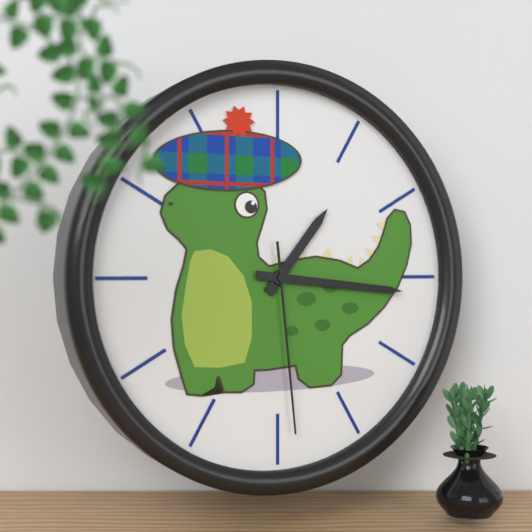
1h16m29s
